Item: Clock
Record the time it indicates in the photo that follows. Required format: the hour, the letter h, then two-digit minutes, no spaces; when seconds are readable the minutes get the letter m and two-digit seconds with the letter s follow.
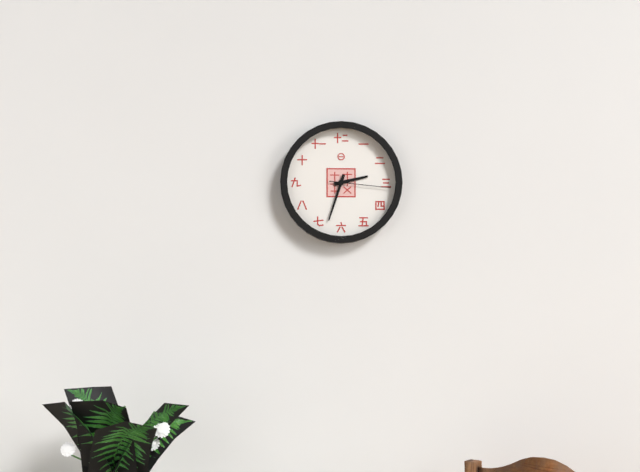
2h33m16s
